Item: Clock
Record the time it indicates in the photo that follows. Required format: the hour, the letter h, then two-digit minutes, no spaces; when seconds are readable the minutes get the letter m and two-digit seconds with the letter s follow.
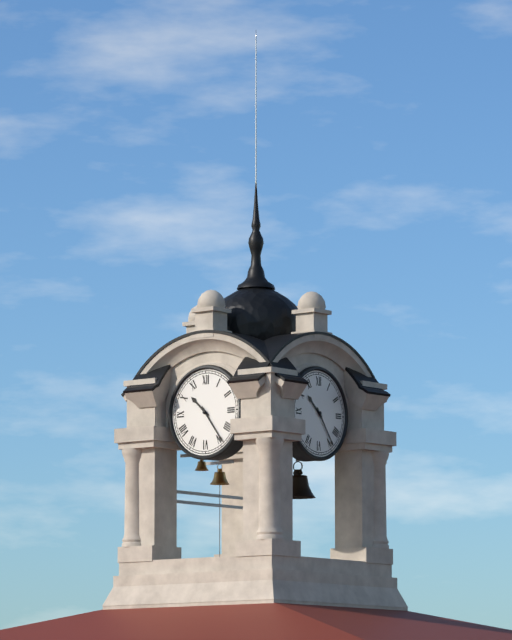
10h24
